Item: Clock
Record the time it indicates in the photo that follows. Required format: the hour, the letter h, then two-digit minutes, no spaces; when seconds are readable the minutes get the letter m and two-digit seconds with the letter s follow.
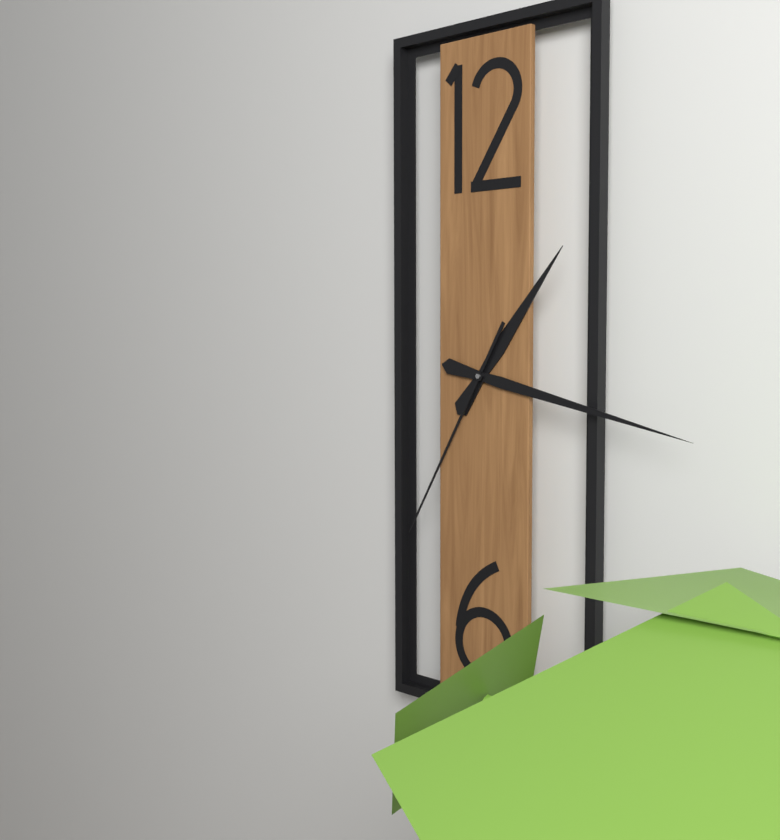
1h17m35s
